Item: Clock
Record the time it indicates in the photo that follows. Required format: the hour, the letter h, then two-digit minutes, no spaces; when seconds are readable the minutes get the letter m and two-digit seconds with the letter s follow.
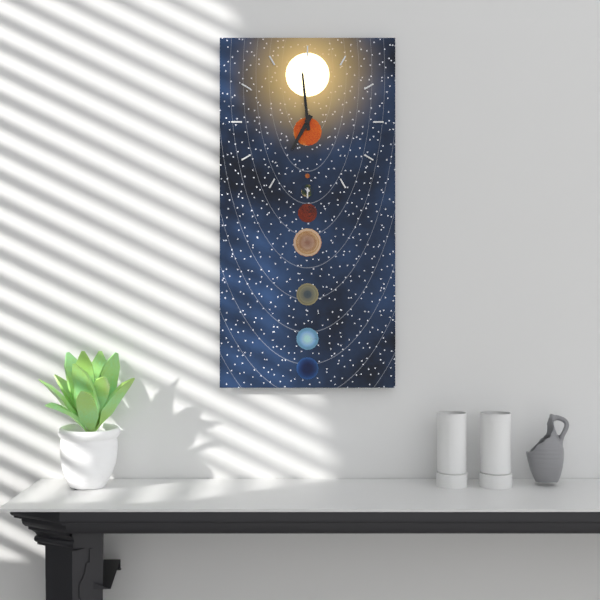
6h59
